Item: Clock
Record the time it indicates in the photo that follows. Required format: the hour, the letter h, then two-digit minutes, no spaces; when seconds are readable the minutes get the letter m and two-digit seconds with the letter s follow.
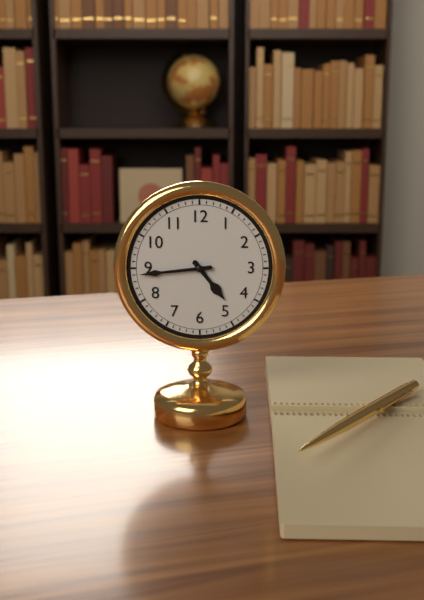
4h44
